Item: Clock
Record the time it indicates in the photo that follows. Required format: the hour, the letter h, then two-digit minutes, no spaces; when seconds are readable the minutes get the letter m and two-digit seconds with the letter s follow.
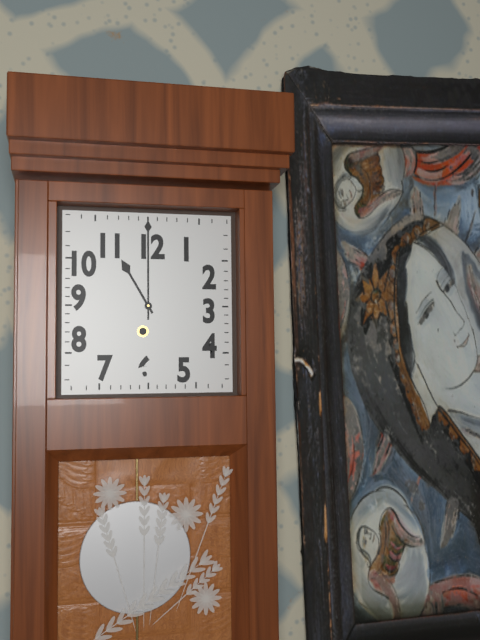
11h00
